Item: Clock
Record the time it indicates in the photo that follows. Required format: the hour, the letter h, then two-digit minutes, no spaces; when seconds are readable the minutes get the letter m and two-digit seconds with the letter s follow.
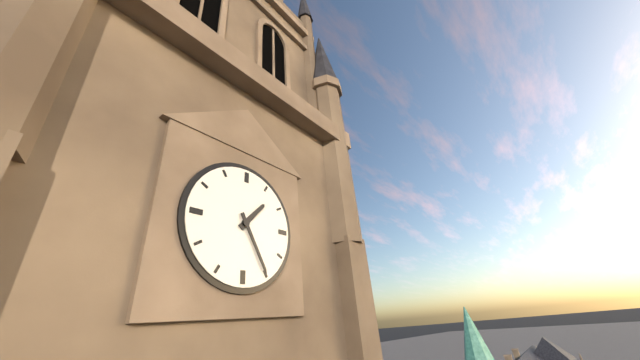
1h25
